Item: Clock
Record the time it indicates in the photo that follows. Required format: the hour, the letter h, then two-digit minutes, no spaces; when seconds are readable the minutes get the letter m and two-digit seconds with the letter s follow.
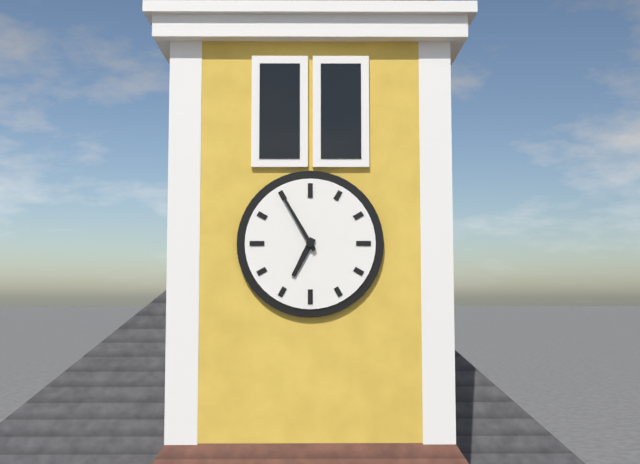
6h55
